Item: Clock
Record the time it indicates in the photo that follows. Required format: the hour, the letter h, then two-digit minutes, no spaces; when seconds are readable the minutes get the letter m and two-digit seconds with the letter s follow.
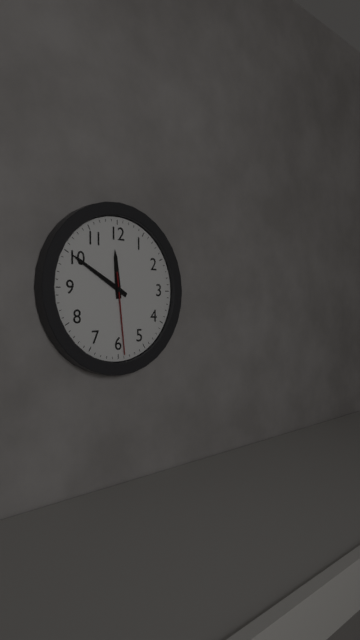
11h50m29s
